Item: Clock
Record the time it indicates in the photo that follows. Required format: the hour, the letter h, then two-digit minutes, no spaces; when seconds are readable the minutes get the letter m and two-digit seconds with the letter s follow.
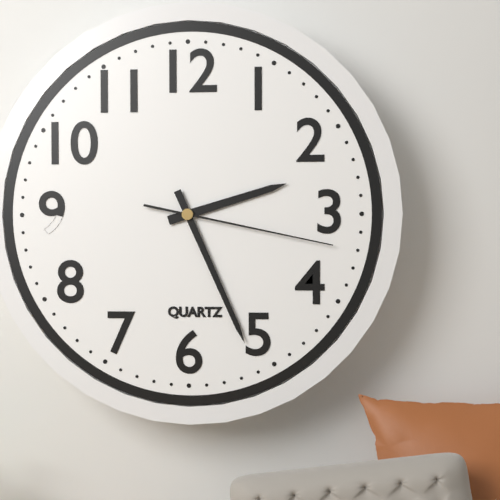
2h26m17s
